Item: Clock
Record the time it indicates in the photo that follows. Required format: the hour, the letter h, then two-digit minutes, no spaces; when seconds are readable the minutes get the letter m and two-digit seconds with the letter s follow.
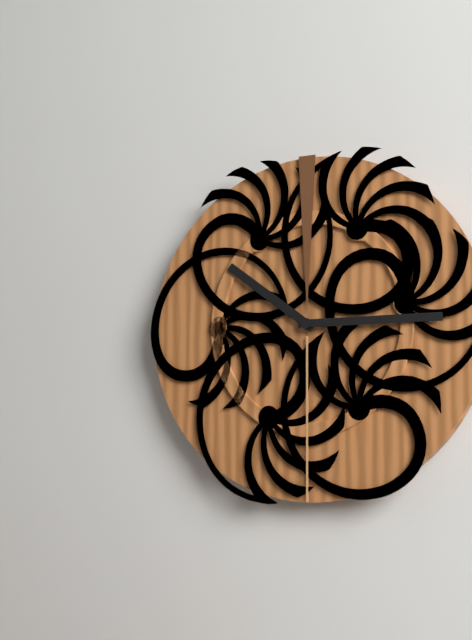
10h15
